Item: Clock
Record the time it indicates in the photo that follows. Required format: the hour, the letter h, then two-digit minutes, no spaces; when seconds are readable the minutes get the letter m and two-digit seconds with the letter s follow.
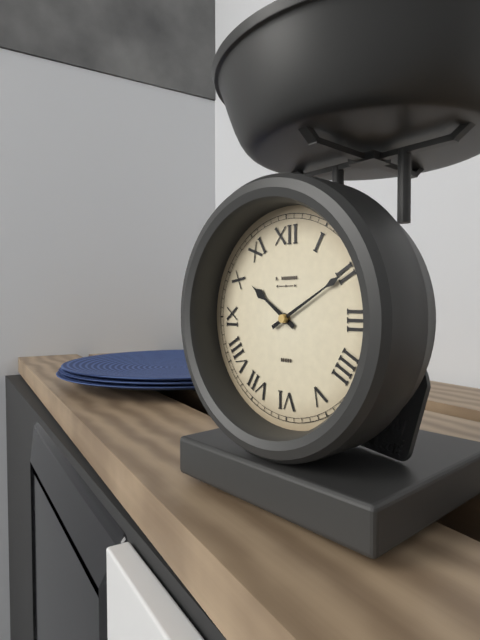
10h10
